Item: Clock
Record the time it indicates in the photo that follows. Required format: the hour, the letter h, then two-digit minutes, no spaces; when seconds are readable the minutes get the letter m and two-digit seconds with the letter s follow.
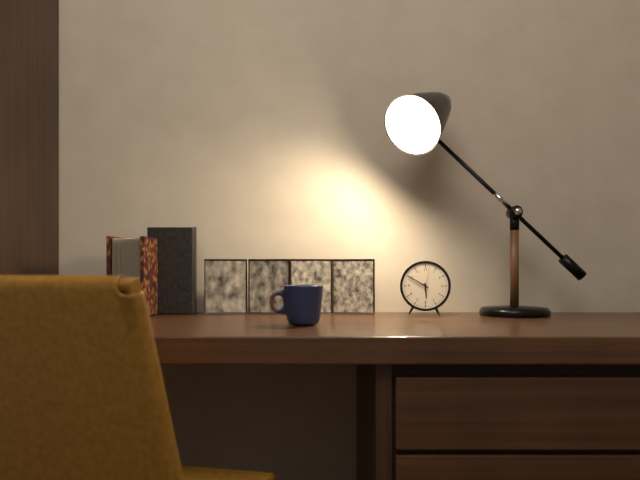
5h50
